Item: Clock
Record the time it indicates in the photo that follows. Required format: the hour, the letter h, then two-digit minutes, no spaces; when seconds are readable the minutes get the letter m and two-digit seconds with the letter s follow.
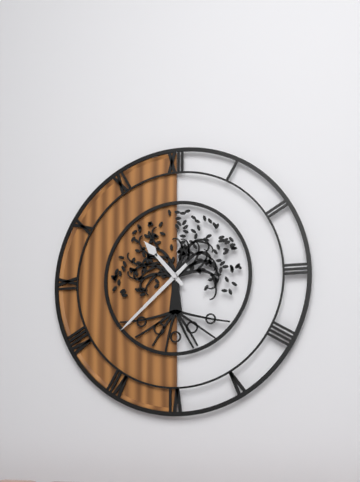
10h38
